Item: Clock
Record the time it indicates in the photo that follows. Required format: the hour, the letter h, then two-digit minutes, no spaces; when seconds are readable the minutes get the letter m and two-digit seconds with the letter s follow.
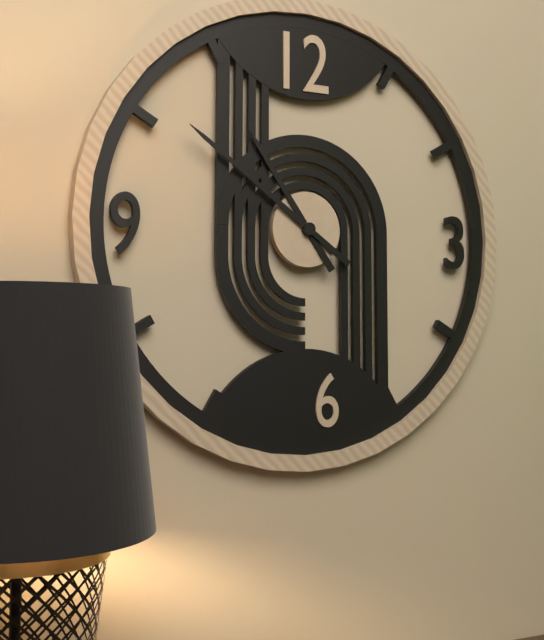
10h51
